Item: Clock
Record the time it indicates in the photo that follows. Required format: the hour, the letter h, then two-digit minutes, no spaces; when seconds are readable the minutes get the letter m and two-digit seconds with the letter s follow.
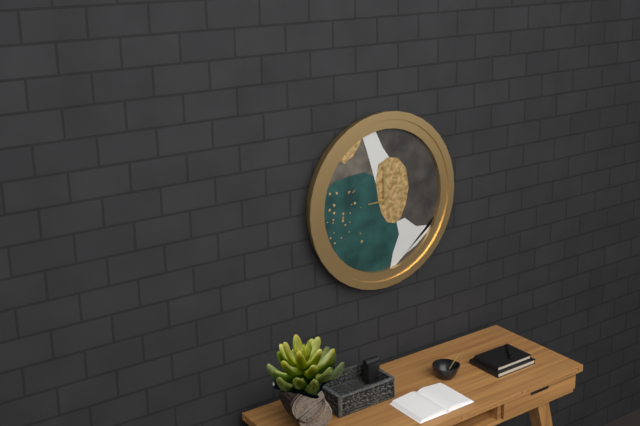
9h00
